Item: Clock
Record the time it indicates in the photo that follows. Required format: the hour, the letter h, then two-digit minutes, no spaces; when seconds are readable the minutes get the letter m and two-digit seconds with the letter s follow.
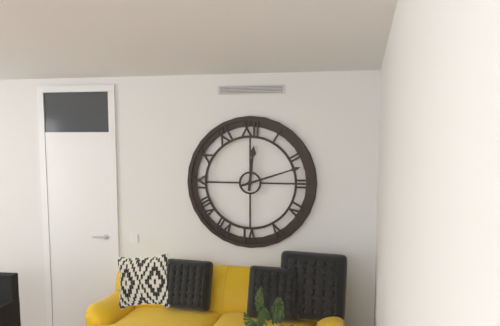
12h12
